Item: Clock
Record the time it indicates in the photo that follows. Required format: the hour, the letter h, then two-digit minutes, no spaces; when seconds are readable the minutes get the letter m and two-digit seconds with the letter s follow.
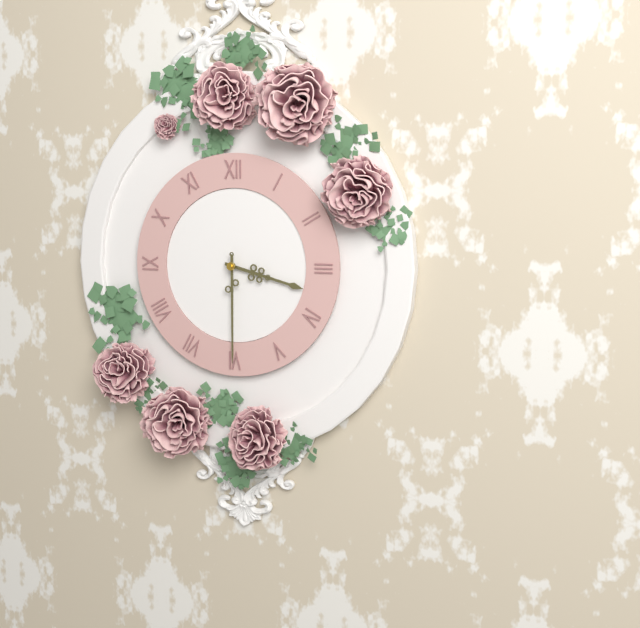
3h30
